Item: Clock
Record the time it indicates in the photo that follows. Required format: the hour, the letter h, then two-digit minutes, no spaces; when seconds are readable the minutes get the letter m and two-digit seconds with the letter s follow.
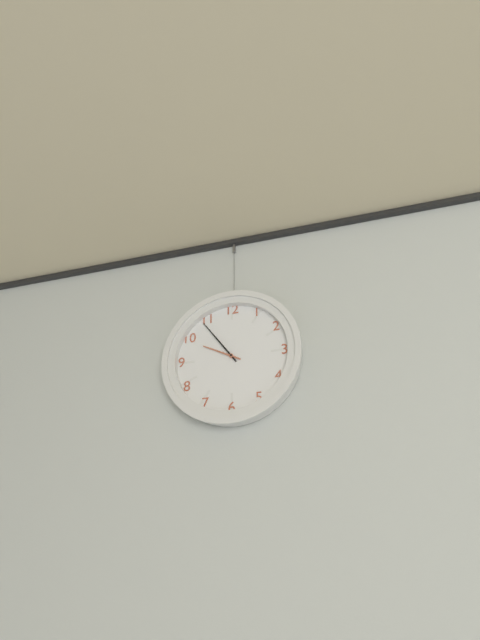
9h54
